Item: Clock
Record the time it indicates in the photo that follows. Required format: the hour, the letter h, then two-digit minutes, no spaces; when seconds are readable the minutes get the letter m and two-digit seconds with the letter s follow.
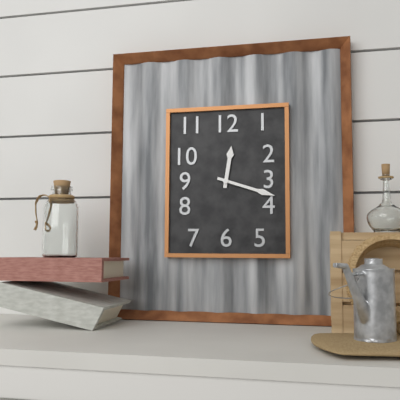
12h18
